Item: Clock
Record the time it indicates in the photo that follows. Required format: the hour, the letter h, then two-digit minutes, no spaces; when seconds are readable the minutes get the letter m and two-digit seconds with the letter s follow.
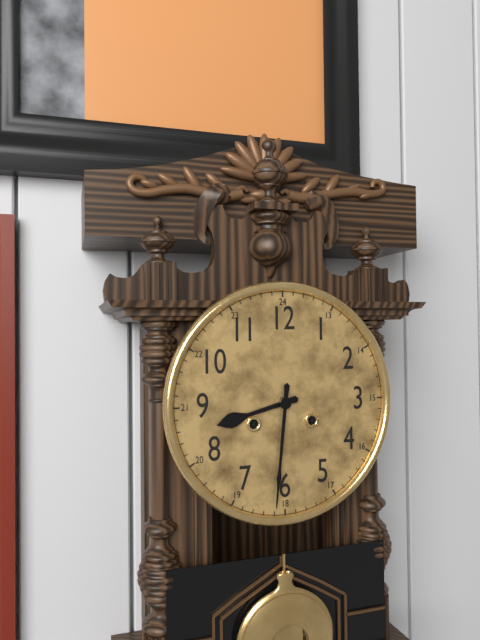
8h31
